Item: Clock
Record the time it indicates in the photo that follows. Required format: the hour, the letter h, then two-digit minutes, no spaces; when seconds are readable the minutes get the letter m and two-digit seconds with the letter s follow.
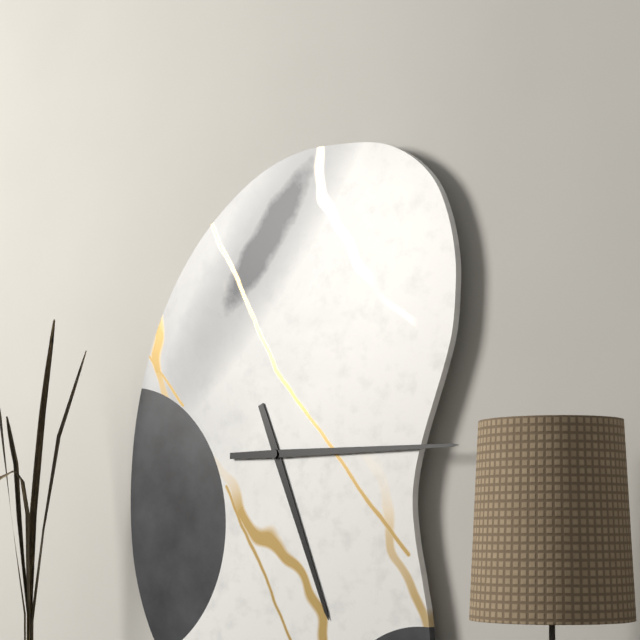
5h15
